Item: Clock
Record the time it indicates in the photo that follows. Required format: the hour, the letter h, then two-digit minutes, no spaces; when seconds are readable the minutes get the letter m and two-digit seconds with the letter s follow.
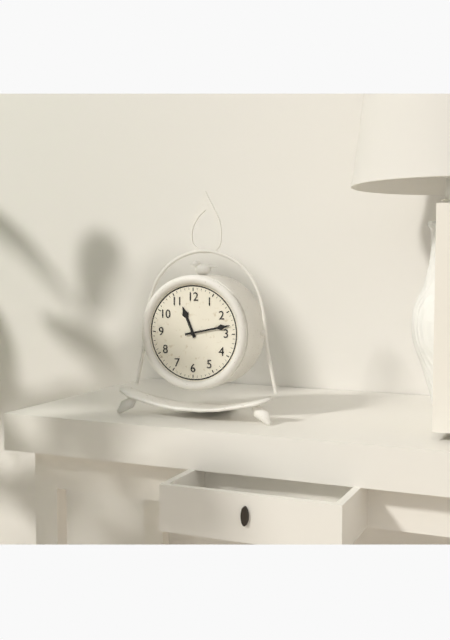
11h13
